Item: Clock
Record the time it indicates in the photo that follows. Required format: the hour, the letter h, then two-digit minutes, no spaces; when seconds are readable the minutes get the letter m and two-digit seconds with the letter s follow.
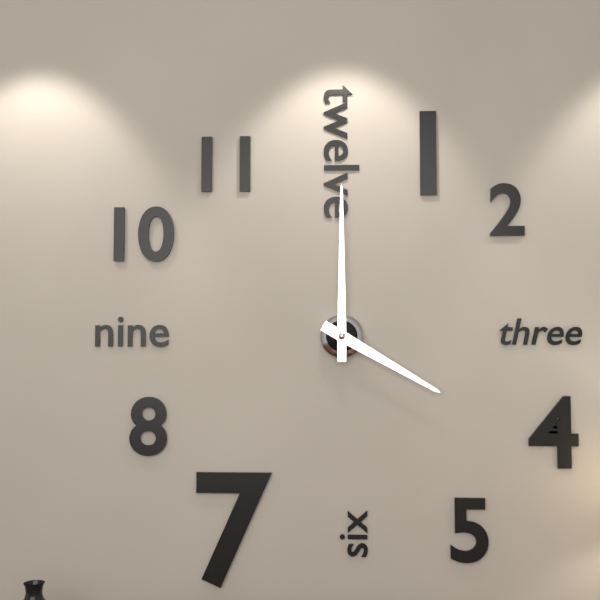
4h00
